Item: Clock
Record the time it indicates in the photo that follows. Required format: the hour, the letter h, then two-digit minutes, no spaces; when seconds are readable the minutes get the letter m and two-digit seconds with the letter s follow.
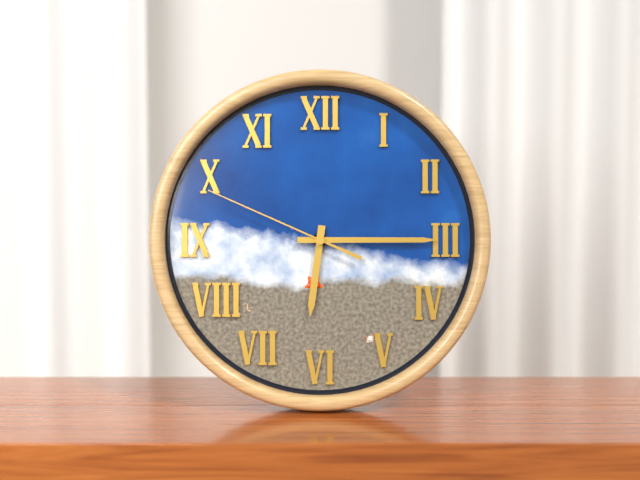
6h15m49s
